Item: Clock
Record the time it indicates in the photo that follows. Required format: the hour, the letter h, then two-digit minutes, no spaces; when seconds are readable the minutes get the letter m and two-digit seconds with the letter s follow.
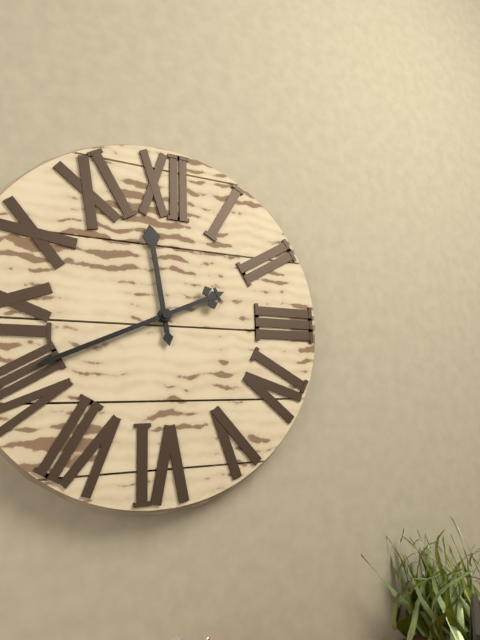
11h41
